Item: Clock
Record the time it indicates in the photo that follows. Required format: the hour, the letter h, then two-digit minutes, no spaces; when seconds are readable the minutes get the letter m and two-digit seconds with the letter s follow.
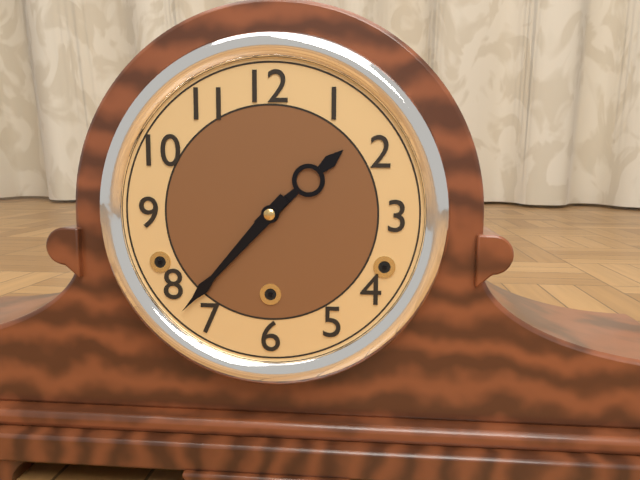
1h37
